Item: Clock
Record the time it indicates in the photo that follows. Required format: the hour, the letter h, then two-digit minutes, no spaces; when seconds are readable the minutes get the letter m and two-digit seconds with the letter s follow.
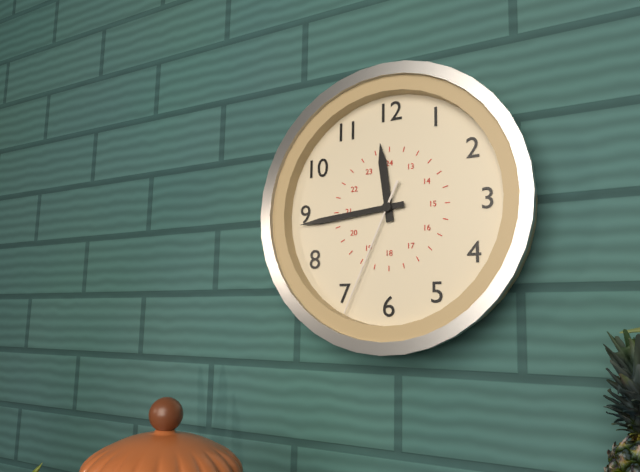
11h44m34s
